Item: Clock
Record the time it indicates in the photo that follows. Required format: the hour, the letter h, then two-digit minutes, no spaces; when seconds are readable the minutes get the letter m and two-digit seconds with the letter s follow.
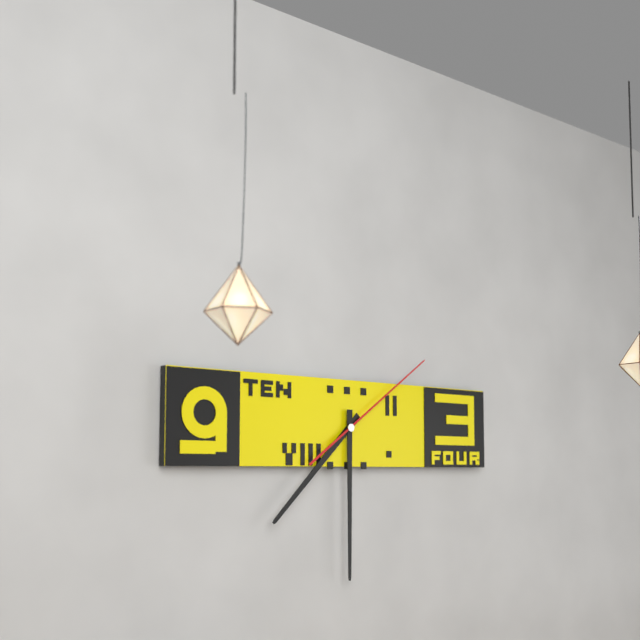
7h30m09s
